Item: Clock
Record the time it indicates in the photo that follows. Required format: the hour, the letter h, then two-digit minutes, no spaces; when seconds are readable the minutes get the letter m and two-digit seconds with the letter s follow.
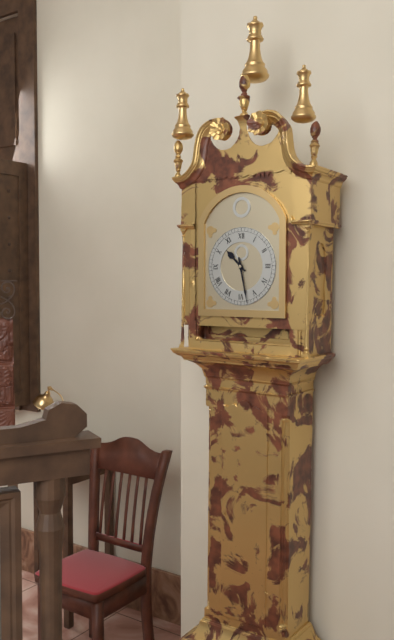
10h28
